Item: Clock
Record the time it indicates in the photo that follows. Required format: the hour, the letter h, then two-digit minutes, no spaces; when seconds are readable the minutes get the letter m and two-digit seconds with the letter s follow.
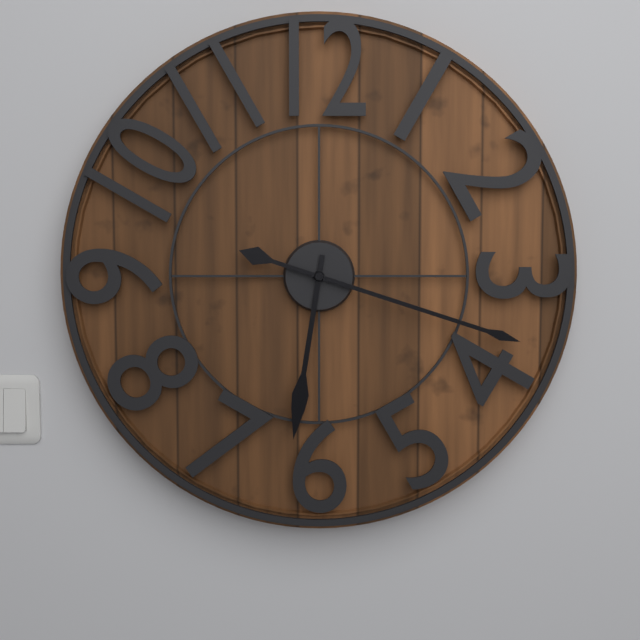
6h18
